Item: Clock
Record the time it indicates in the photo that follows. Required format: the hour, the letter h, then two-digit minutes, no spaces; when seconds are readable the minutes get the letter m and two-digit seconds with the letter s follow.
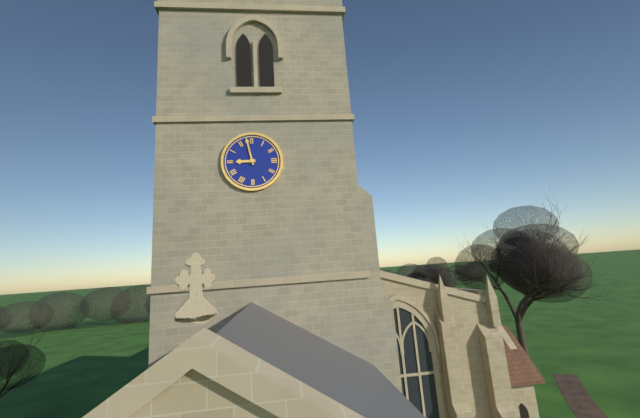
8h58
